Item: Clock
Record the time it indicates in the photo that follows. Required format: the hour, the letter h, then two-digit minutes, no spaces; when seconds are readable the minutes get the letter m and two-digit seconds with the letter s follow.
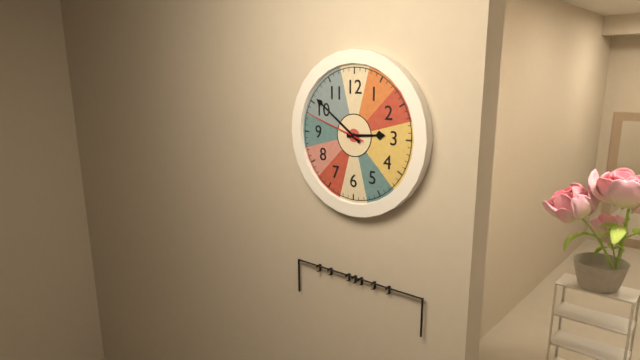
2h51m48s
